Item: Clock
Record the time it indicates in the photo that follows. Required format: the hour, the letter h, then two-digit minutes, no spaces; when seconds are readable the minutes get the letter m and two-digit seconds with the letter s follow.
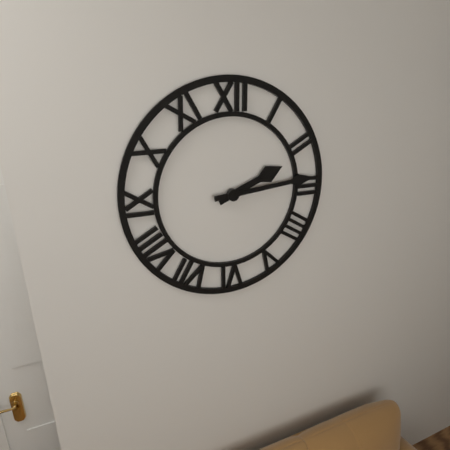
2h14
